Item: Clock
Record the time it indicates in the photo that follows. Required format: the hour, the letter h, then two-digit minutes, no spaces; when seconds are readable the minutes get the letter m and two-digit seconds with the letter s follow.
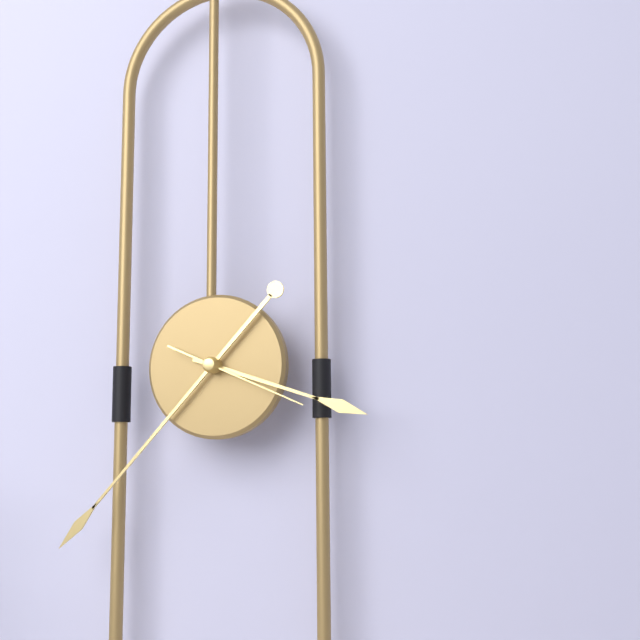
3h37m19s
